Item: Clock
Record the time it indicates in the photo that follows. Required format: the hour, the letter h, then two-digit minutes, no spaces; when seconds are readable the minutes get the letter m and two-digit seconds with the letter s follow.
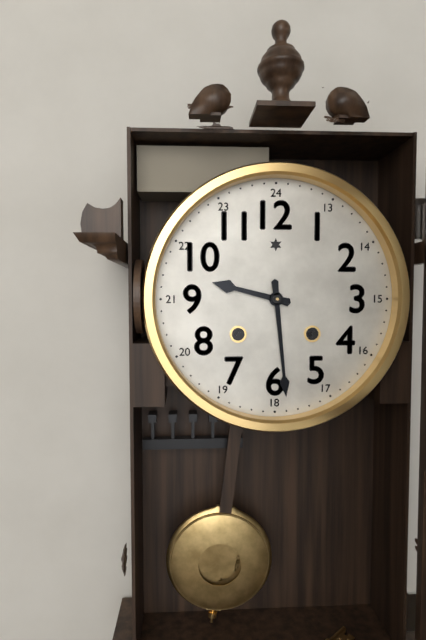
9h29
